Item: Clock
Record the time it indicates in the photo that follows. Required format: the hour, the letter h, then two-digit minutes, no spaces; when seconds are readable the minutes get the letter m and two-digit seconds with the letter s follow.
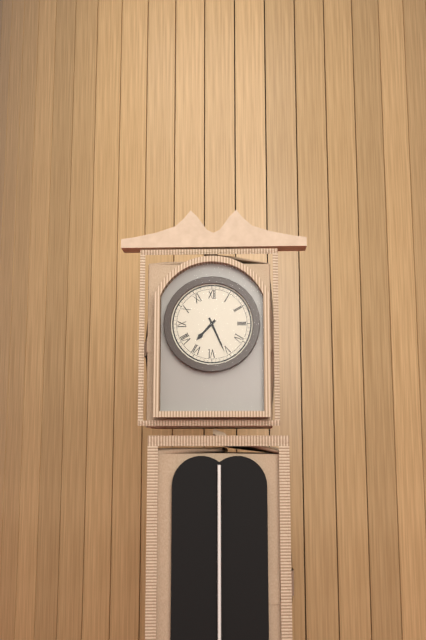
7h26
